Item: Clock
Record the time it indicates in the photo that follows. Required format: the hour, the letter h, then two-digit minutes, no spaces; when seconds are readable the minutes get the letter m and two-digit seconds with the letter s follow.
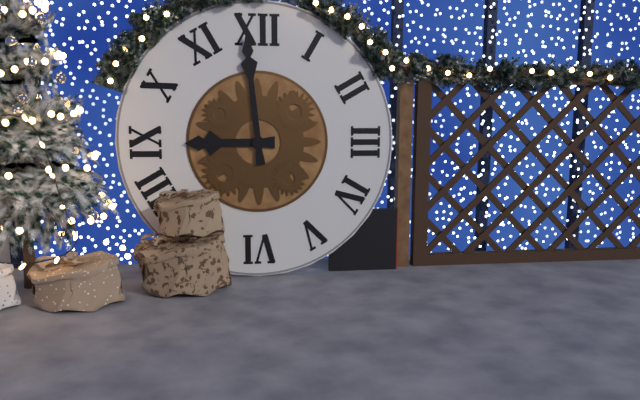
8h59
